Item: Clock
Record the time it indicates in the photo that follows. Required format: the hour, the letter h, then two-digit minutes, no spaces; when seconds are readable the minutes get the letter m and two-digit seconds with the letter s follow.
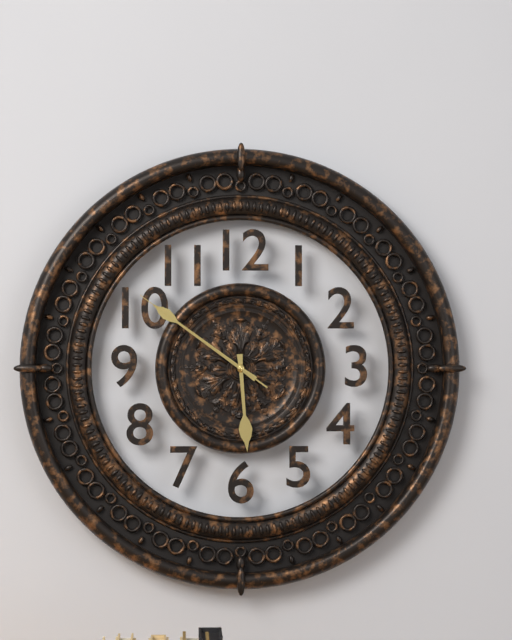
5h51m51s
